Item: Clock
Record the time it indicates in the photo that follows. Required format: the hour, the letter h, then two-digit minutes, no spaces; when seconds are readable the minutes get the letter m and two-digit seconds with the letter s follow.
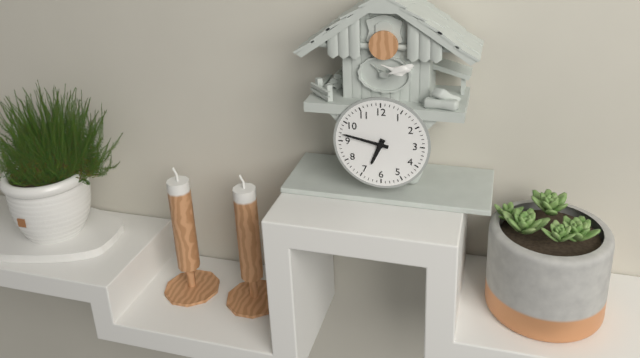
6h47
